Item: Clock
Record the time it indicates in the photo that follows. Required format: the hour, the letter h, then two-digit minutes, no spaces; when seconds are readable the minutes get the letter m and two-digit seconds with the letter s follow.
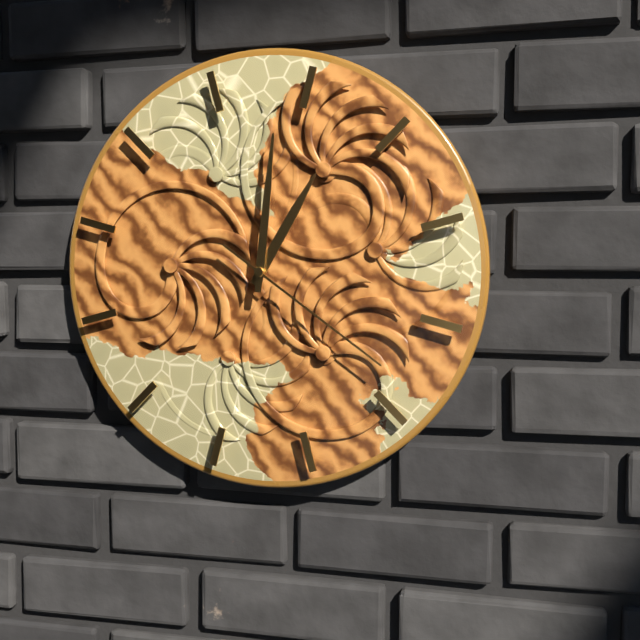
1h01m21s
